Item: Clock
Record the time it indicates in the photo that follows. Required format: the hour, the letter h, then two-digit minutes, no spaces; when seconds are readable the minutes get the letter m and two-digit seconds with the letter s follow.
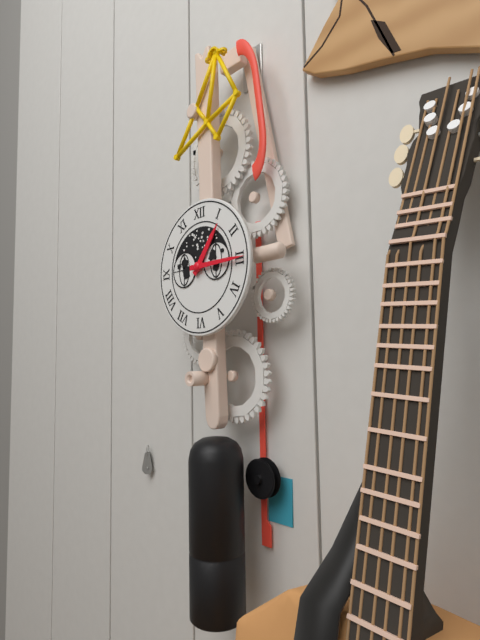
1h15
